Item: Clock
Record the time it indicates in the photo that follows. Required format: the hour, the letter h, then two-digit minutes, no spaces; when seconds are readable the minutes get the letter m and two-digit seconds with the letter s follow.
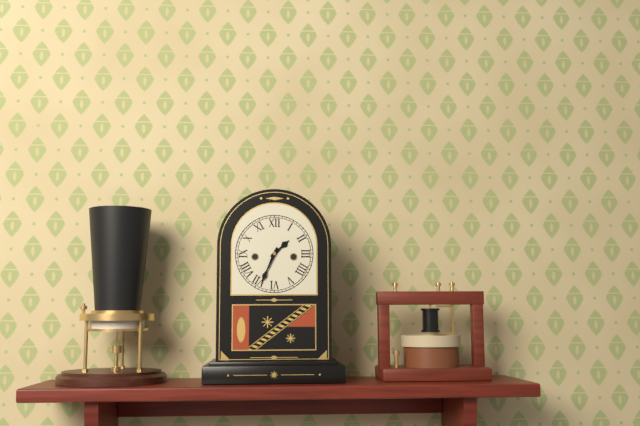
1h34
